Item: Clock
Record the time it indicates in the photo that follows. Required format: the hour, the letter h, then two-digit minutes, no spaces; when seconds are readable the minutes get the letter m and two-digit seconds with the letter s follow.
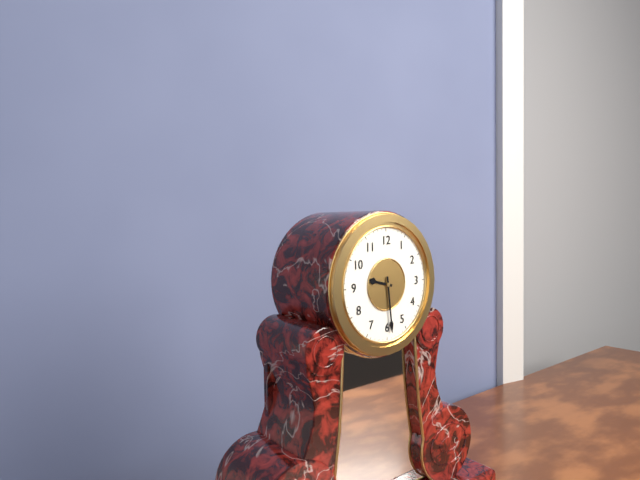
9h29
